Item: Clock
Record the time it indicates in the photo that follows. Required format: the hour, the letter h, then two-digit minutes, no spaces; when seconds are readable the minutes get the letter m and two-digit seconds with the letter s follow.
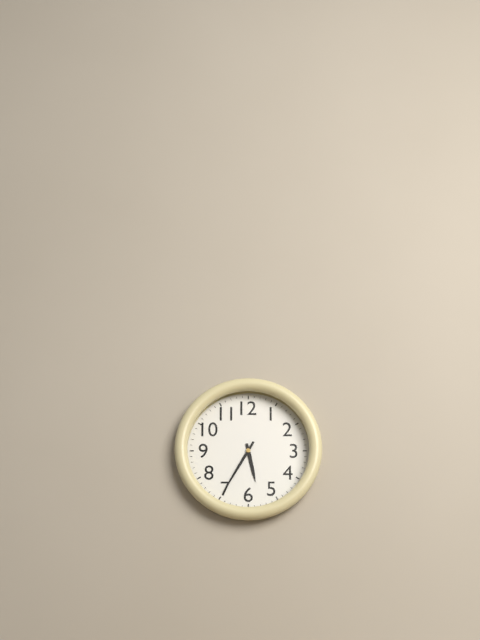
5h35
